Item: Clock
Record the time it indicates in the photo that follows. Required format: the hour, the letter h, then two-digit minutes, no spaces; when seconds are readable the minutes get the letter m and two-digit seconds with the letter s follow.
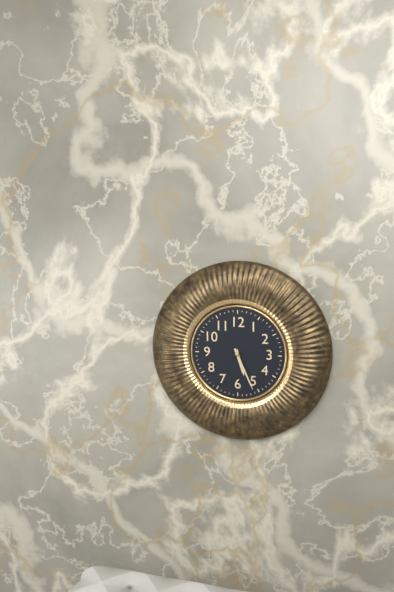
5h26
